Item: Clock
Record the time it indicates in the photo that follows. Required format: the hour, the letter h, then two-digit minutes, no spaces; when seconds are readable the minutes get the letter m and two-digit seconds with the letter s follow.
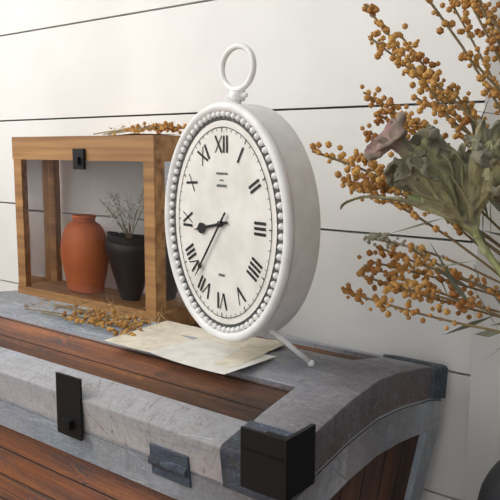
8h36
